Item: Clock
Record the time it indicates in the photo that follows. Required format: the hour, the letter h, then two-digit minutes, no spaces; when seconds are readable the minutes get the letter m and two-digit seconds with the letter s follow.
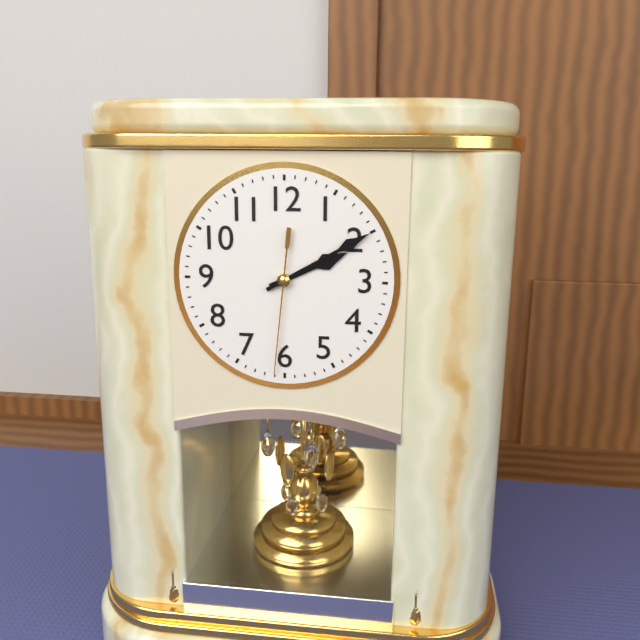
2h10m31s
